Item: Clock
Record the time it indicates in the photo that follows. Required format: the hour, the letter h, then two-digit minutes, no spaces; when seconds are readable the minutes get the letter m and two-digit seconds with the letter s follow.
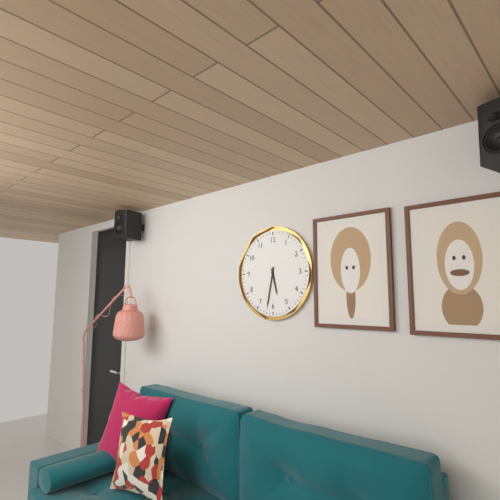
5h32
